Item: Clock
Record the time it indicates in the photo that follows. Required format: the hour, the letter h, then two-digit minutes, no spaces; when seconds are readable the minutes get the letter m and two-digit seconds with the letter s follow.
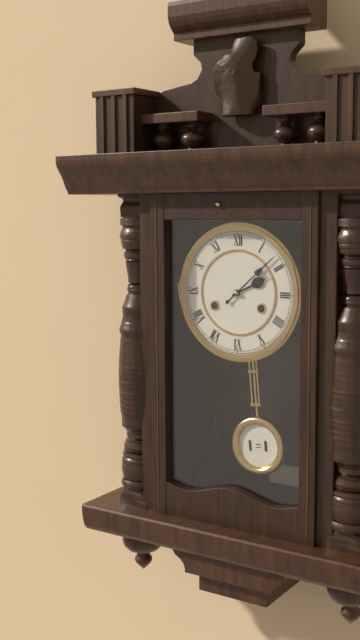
2h08
